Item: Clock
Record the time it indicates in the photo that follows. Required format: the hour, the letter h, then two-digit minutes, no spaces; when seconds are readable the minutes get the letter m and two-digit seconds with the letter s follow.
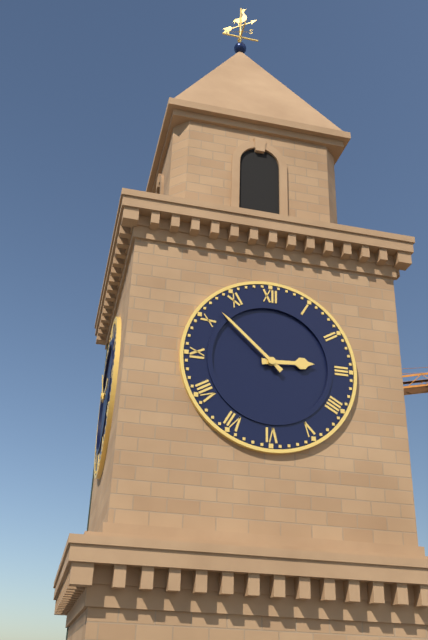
2h52
